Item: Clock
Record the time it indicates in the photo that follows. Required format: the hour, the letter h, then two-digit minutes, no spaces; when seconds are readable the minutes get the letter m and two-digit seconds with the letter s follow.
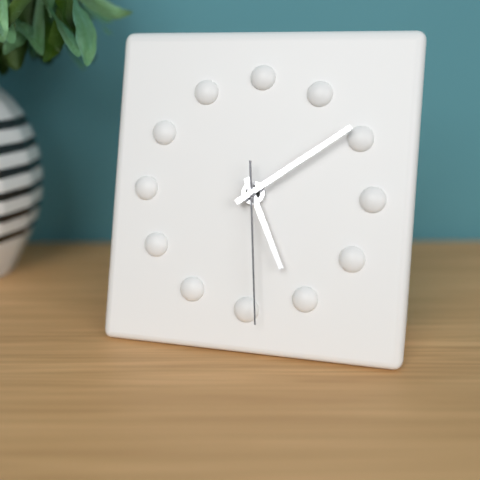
5h09m29s
